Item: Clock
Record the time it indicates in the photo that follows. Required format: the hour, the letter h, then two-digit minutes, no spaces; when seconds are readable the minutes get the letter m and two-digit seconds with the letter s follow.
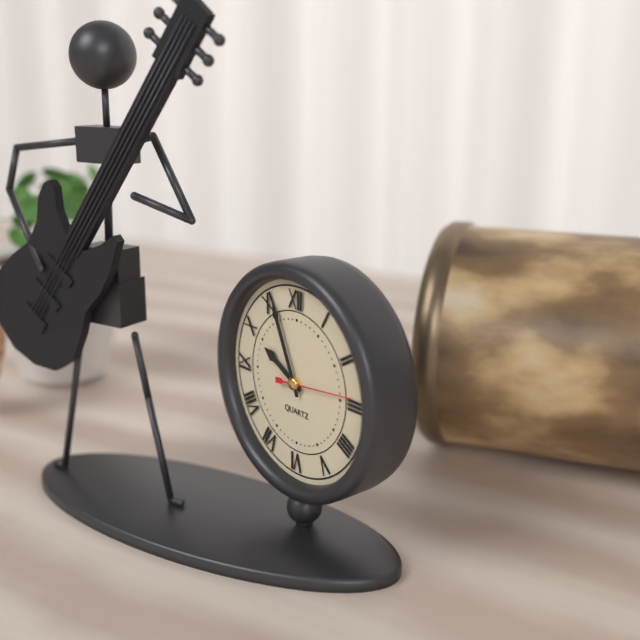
9h56m14s
